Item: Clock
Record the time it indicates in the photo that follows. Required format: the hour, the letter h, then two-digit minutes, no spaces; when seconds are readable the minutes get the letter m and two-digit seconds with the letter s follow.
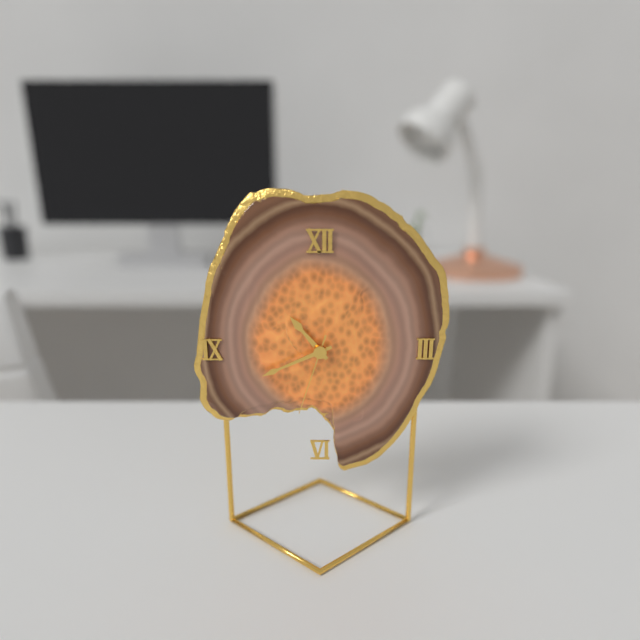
10h41m33s
